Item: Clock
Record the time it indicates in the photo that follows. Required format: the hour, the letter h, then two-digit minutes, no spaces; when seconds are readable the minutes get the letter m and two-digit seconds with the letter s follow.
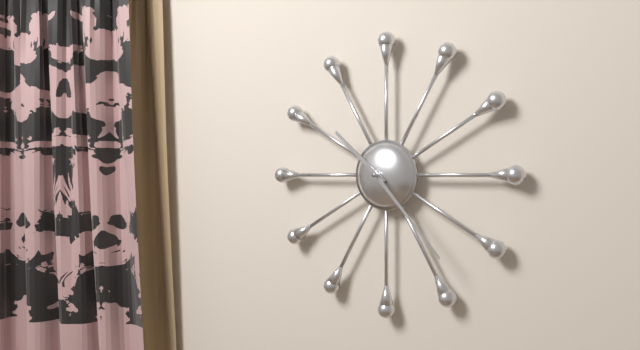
10h23
